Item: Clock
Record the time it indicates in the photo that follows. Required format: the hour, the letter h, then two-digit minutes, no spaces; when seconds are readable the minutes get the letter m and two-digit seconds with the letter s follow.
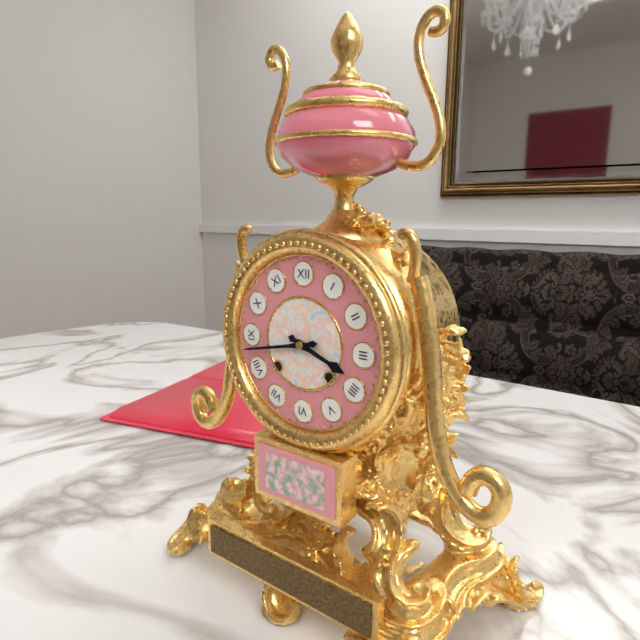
3h43
